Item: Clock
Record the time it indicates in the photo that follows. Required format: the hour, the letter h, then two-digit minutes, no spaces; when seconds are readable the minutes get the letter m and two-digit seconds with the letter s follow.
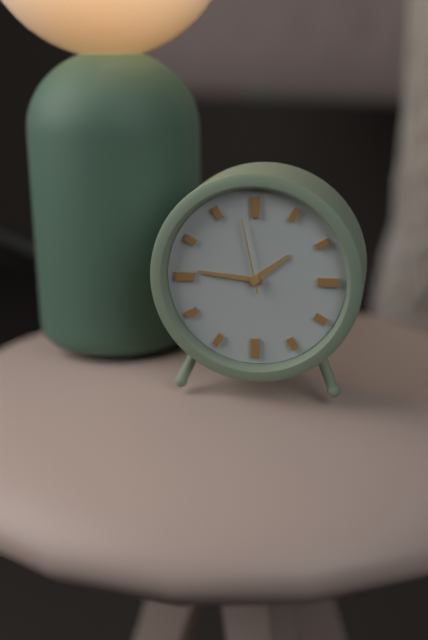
1h46m58s
